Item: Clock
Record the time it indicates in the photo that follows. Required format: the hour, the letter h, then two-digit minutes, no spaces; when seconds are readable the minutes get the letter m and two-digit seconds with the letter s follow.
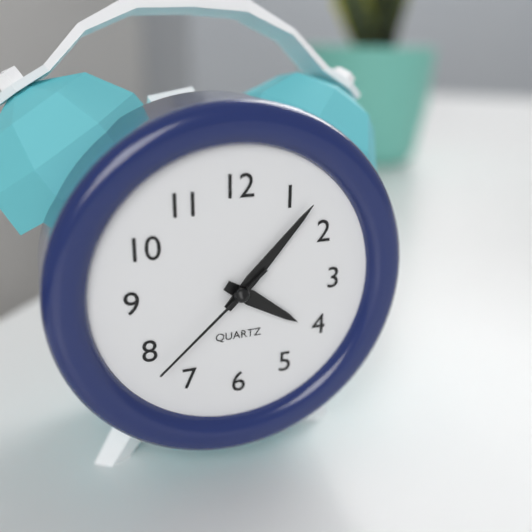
4h07m38s
